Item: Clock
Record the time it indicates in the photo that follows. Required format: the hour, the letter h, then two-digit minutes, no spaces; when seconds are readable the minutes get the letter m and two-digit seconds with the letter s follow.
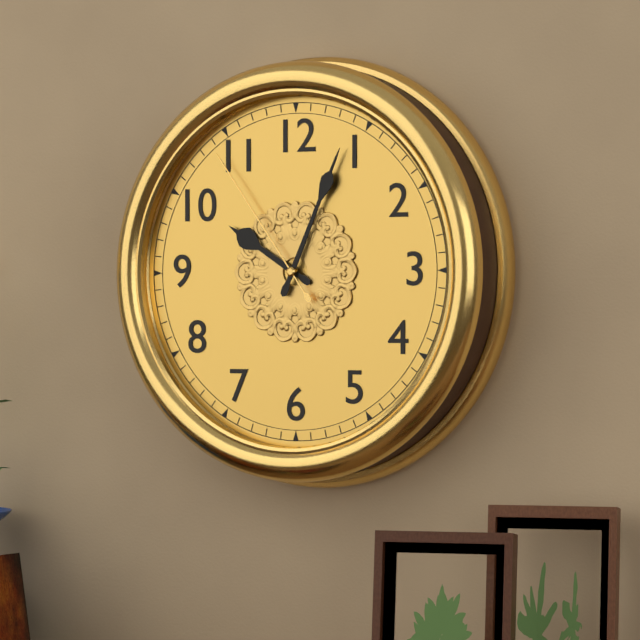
10h04m54s
